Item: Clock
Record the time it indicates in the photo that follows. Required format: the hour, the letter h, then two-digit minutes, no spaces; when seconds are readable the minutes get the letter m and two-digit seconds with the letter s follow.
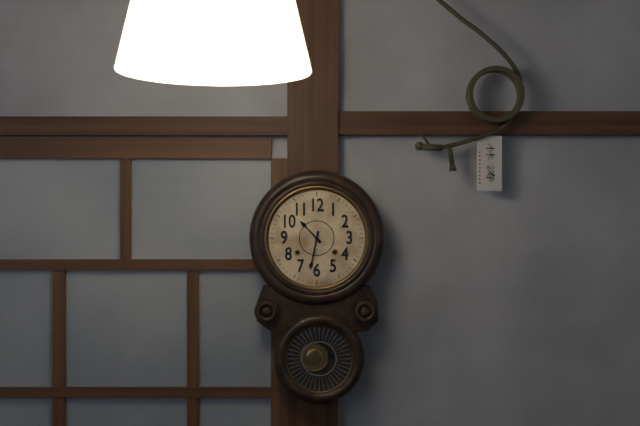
10h32
